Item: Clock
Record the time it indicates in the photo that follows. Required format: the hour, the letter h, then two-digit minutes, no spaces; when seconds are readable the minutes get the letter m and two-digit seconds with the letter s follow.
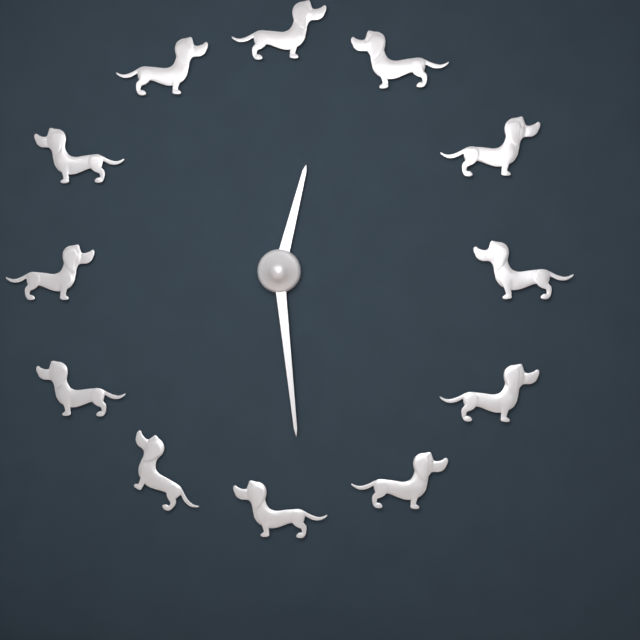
12h29
